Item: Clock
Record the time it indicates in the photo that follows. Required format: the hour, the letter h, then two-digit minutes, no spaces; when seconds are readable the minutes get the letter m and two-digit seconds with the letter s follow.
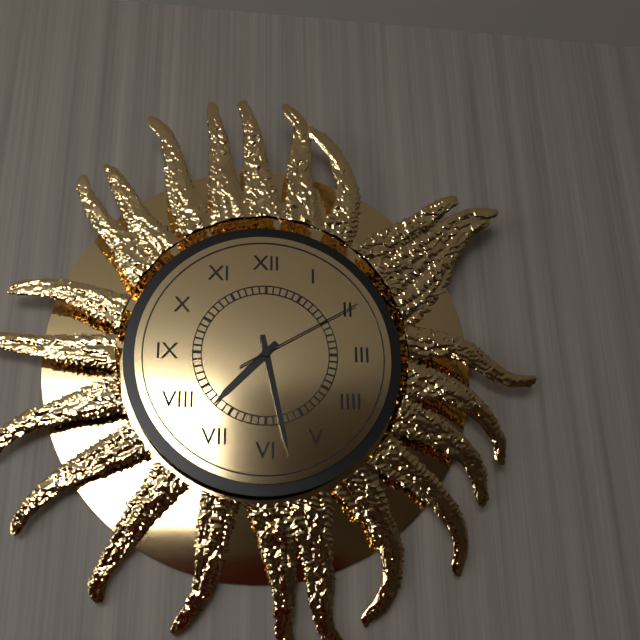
7h28m10s
